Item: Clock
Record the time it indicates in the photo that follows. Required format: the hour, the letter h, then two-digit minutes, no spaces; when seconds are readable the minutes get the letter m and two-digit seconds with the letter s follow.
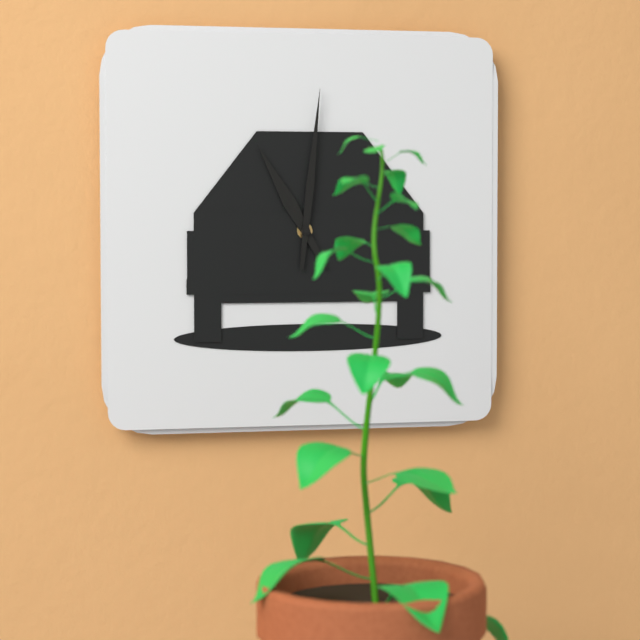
11h01
